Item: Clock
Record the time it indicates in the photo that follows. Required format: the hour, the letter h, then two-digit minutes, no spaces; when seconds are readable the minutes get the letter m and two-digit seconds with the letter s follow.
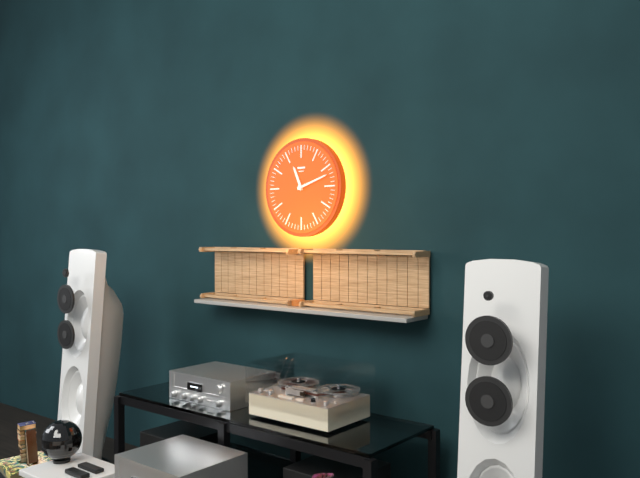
11h12
